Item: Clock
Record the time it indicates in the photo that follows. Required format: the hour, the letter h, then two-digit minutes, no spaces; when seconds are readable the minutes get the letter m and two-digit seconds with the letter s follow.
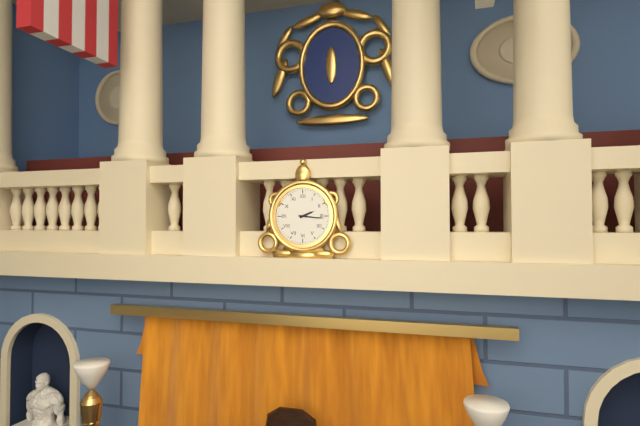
2h16
